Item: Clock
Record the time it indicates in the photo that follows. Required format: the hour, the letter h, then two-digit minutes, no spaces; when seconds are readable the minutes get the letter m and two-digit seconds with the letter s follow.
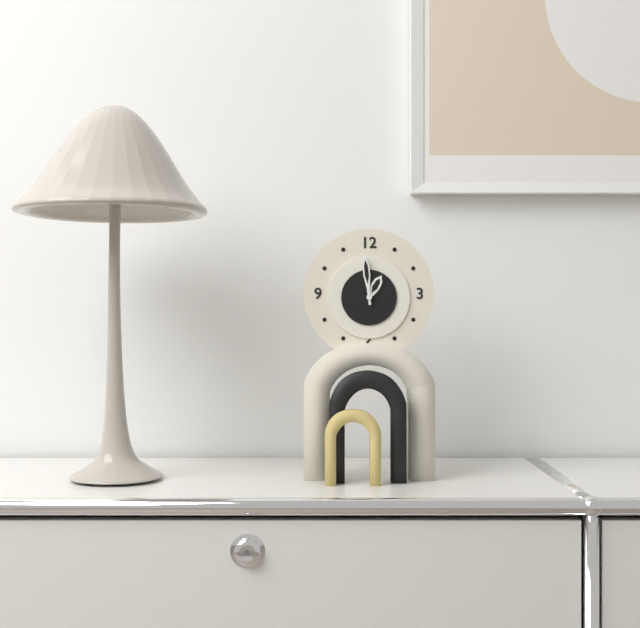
12h59
